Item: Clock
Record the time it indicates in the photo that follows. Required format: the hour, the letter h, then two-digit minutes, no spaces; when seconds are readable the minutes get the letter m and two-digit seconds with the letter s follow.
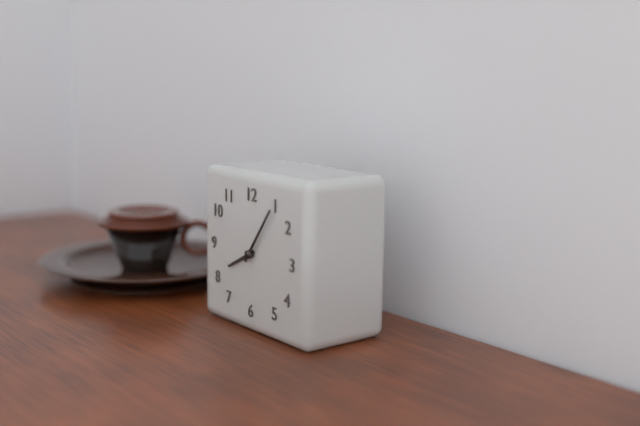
8h06
